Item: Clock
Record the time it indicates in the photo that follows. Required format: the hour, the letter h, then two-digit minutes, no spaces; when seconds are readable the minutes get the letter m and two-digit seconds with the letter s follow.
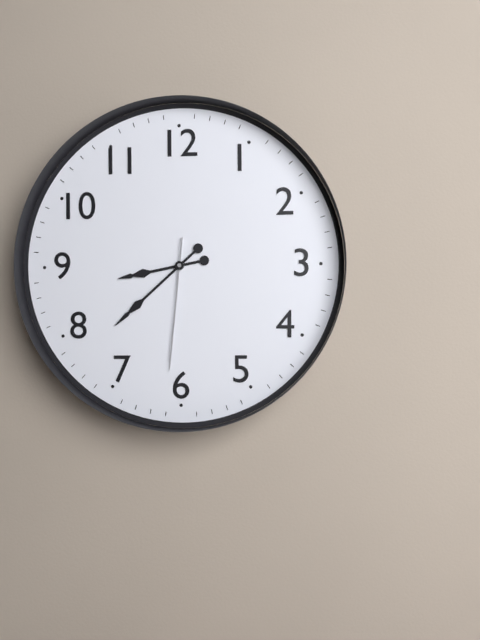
8h38m31s
